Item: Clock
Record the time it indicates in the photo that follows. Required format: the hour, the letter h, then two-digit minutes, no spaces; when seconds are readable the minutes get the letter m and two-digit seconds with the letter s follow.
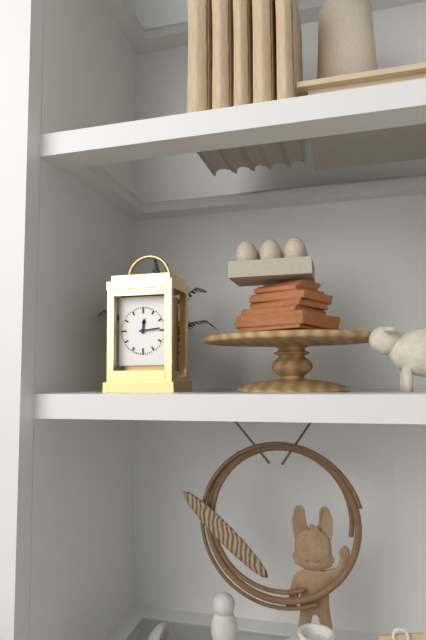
12h14
